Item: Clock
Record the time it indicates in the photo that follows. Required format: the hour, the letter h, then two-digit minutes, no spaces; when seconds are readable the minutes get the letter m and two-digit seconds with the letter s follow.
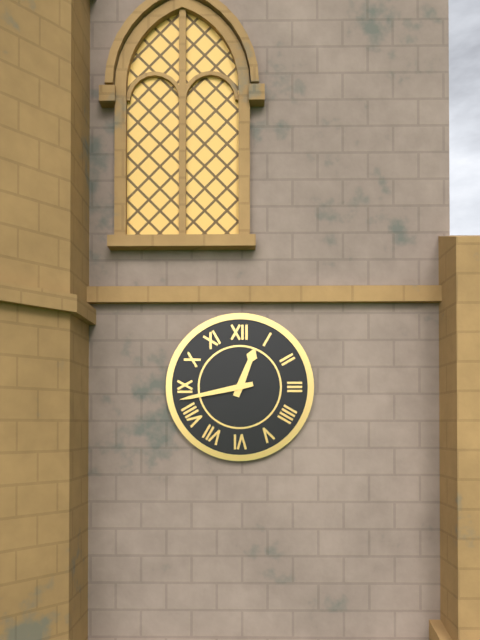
12h43
